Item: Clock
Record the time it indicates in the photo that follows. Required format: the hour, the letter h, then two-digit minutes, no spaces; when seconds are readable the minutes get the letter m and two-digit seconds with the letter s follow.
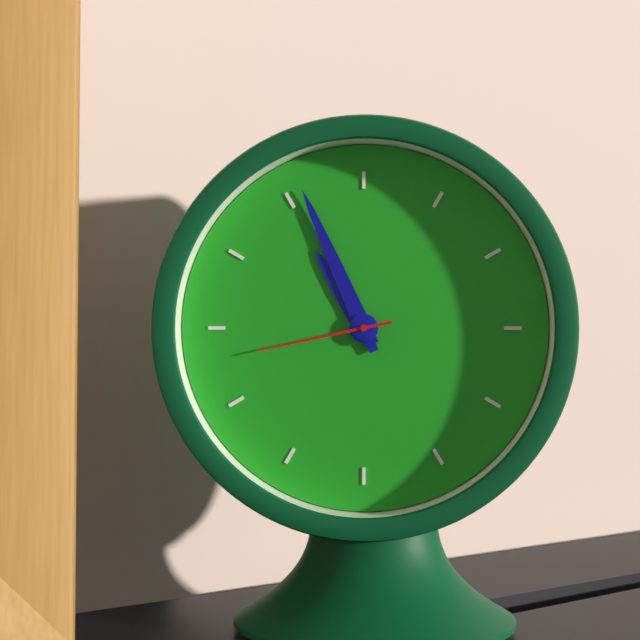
10h56m43s
